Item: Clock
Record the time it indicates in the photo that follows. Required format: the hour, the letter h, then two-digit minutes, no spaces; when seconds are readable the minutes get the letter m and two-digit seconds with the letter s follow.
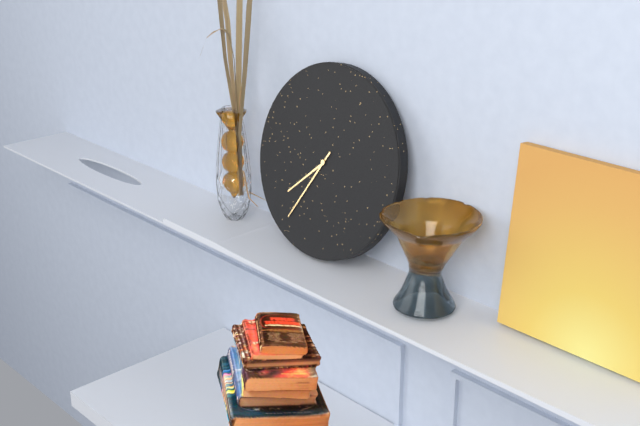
7h35
